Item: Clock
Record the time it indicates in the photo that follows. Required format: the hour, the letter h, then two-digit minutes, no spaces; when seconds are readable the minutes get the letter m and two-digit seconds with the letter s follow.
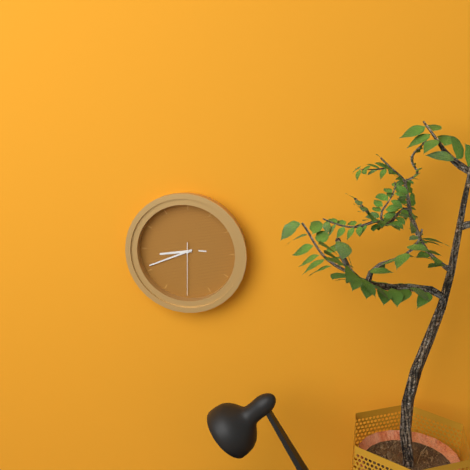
8h41m30s
